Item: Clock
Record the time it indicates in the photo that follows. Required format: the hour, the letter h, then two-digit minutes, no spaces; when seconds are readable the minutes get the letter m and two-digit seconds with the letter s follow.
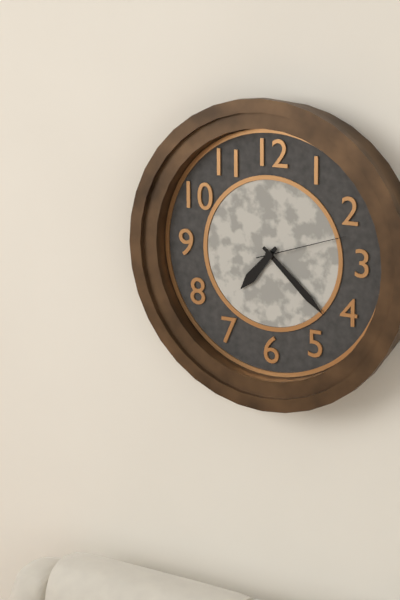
7h22m12s
